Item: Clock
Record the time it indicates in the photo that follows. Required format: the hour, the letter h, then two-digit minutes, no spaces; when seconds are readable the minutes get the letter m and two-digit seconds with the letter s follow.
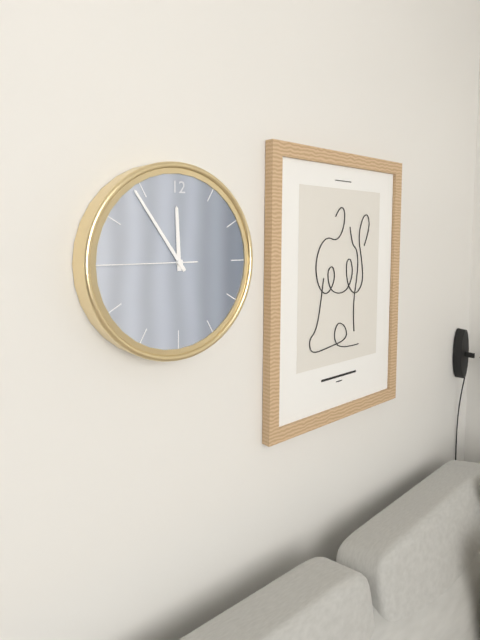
11h54m45s
